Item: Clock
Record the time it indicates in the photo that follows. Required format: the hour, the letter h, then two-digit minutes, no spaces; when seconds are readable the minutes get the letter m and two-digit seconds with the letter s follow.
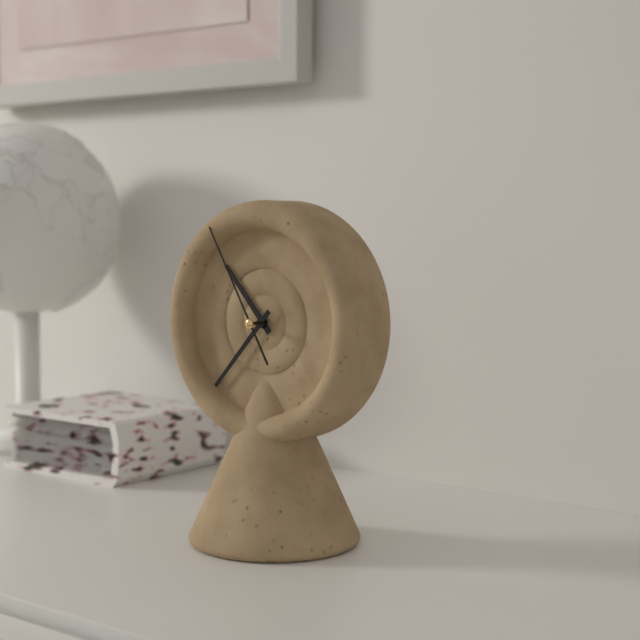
10h37m55s
